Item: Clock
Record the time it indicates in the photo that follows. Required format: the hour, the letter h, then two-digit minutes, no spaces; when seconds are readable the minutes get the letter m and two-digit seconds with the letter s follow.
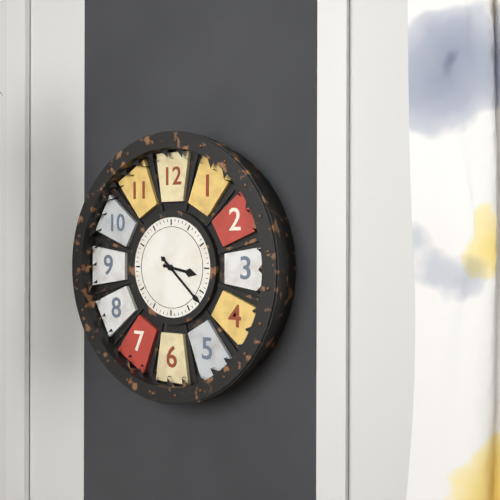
3h22
